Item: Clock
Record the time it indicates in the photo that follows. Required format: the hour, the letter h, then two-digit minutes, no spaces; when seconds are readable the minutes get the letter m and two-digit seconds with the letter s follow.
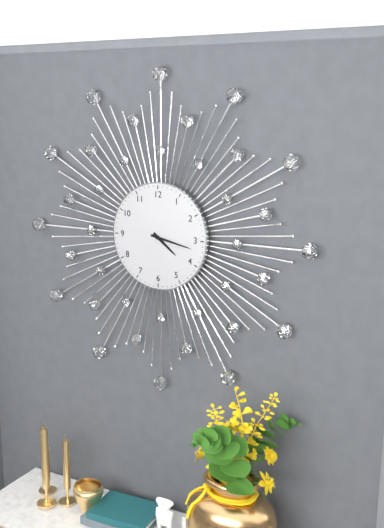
4h17
